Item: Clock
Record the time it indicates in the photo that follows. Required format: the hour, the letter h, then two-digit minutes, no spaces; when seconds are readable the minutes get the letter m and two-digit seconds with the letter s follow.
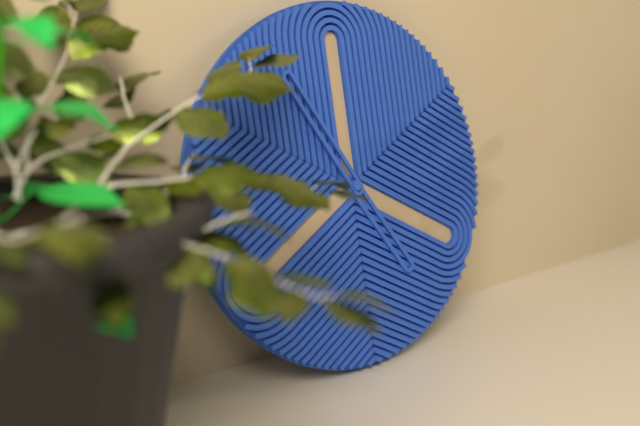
4h55
